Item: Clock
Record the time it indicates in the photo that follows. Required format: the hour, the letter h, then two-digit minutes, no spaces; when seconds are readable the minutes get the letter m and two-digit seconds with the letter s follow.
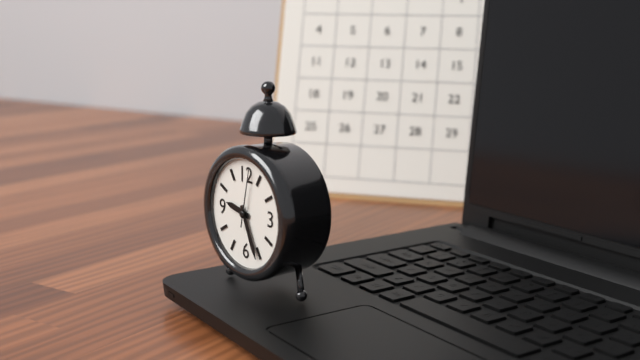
9h26m02s
